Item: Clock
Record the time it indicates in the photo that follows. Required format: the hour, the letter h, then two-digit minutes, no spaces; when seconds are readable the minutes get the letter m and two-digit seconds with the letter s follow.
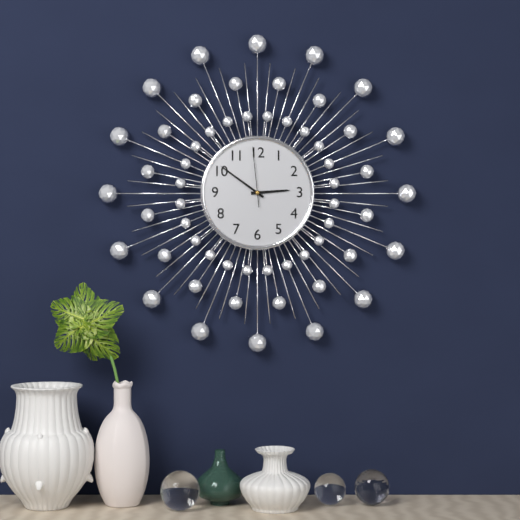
2h51m59s
